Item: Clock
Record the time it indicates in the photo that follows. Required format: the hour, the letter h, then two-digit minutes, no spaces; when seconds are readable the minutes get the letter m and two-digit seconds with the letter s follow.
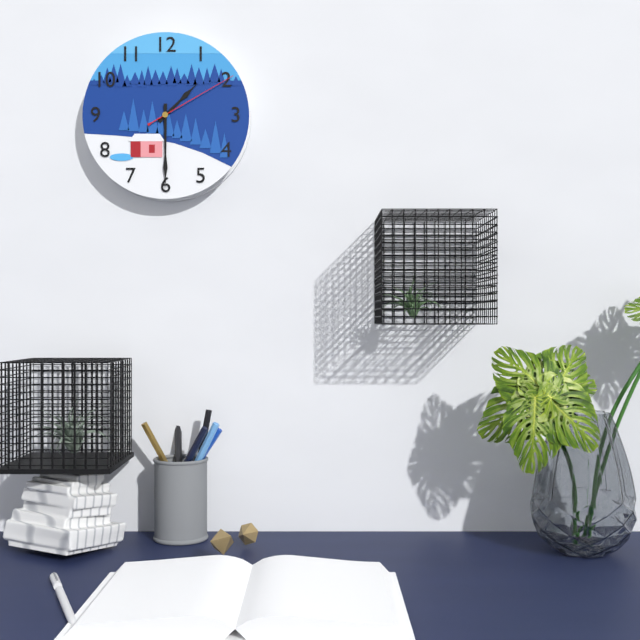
1h30m10s
